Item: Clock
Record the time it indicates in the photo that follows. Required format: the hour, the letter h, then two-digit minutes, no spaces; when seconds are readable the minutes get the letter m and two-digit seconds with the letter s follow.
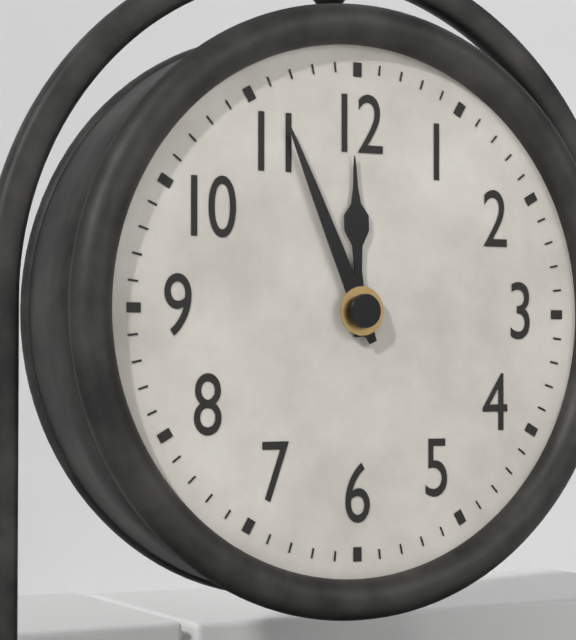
11h56
